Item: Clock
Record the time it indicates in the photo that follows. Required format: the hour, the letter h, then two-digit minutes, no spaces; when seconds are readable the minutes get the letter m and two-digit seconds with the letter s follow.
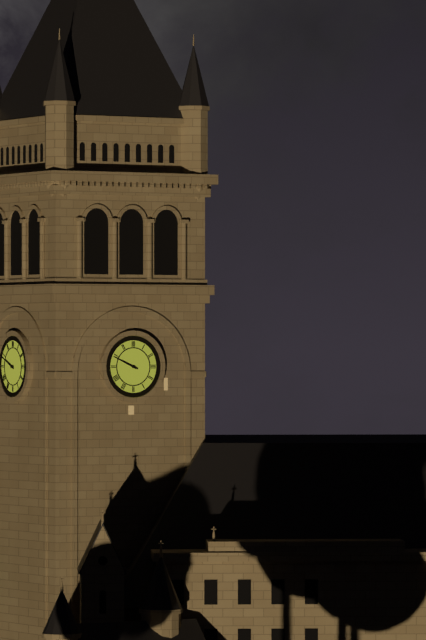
9h49
